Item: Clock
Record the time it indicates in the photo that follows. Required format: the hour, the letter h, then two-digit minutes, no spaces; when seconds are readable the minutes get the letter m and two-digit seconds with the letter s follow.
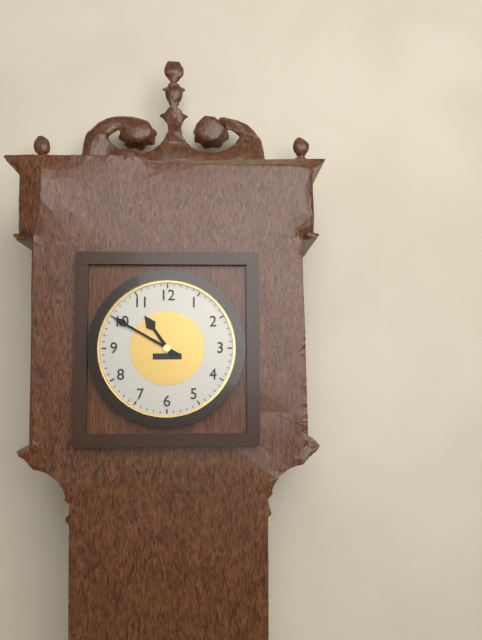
10h50
